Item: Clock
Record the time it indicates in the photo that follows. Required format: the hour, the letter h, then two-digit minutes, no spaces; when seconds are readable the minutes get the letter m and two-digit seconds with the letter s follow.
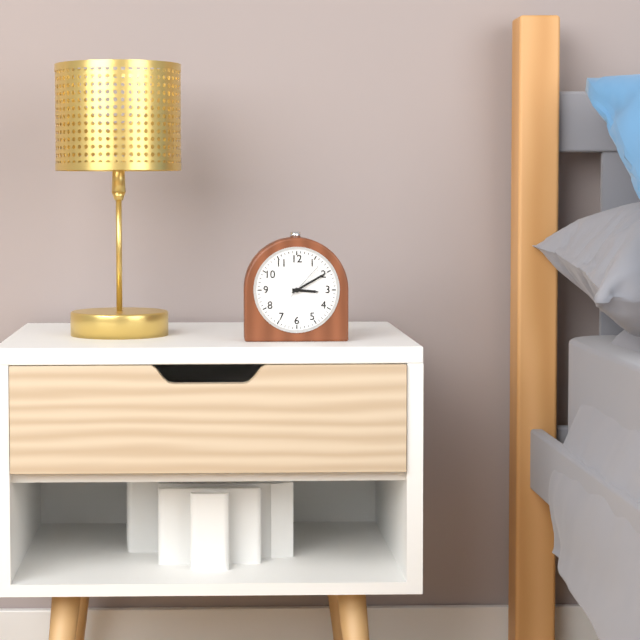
3h10
